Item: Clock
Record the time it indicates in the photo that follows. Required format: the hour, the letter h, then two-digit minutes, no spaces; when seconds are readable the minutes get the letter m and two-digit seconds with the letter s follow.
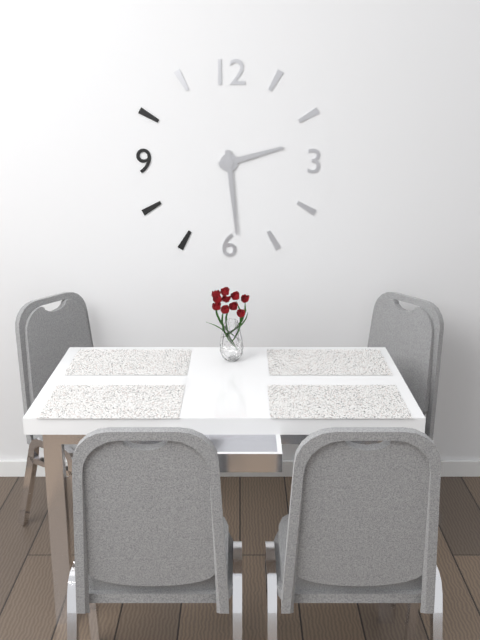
2h29
